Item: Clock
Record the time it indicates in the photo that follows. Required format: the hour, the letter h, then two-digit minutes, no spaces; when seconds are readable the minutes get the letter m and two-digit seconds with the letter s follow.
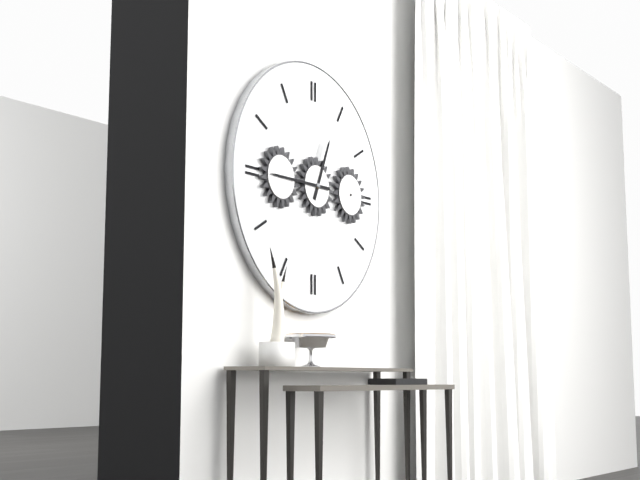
12h45
